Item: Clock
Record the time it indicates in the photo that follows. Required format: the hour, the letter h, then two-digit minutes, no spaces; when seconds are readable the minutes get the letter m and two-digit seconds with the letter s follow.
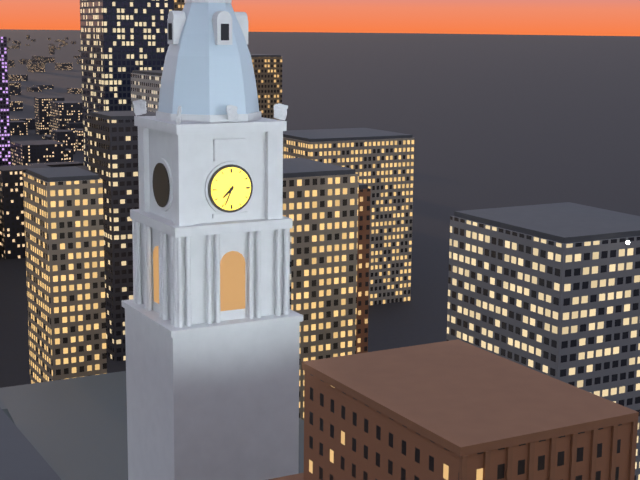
7h34
